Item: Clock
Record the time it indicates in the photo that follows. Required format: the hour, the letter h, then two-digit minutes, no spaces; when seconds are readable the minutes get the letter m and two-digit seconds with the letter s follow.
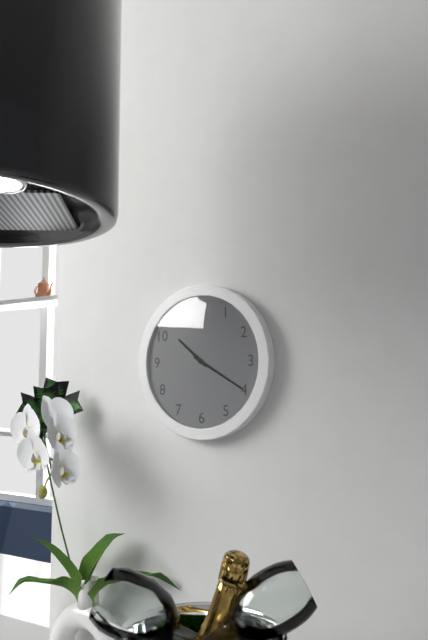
10h20
